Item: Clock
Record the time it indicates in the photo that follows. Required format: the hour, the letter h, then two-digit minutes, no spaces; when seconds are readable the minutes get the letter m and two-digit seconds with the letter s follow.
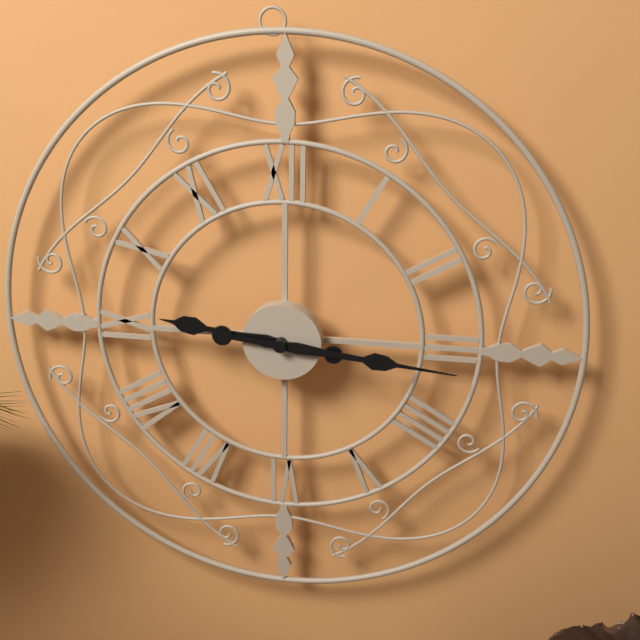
9h16
